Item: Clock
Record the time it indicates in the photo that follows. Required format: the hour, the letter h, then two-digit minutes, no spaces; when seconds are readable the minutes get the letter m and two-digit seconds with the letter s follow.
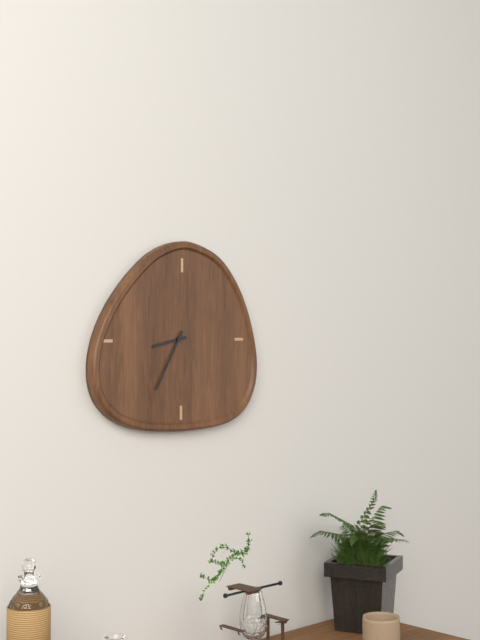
8h35
